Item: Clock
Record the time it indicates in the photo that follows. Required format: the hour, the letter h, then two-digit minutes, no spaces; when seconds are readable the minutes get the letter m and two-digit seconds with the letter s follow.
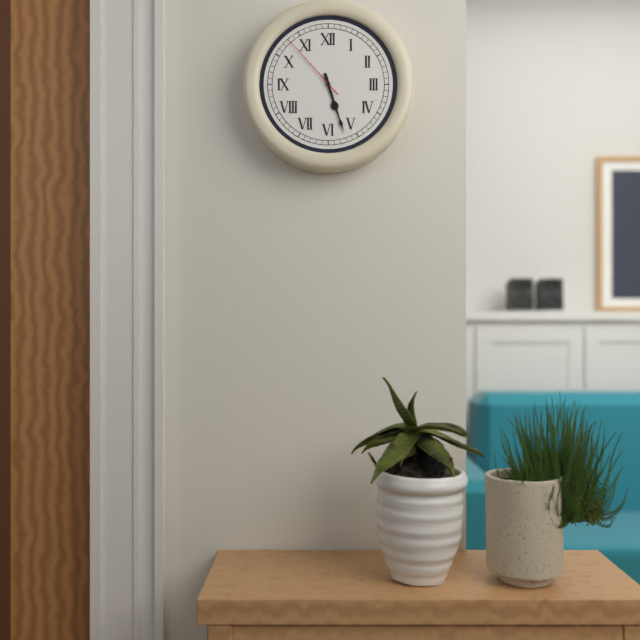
5h27m53s
